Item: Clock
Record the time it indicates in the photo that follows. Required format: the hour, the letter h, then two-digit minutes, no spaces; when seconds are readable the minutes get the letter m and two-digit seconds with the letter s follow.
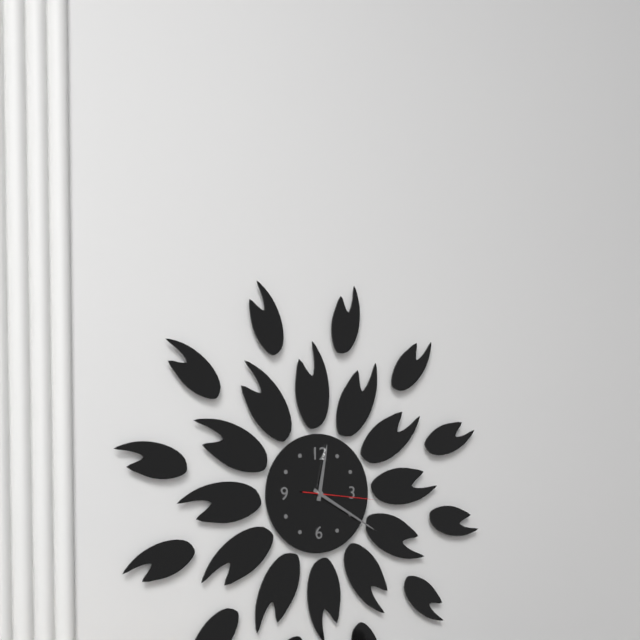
12h20m16s
